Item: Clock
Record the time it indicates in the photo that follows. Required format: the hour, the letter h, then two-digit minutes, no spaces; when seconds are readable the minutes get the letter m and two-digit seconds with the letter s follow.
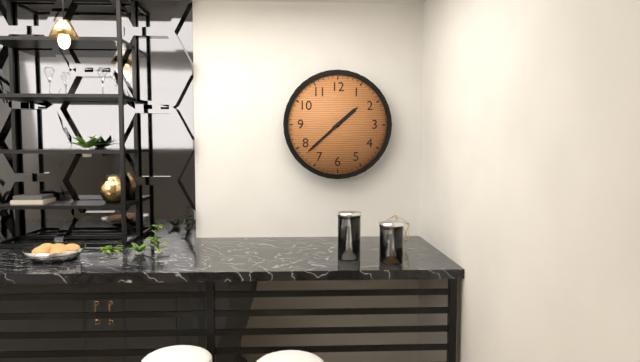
1h38
